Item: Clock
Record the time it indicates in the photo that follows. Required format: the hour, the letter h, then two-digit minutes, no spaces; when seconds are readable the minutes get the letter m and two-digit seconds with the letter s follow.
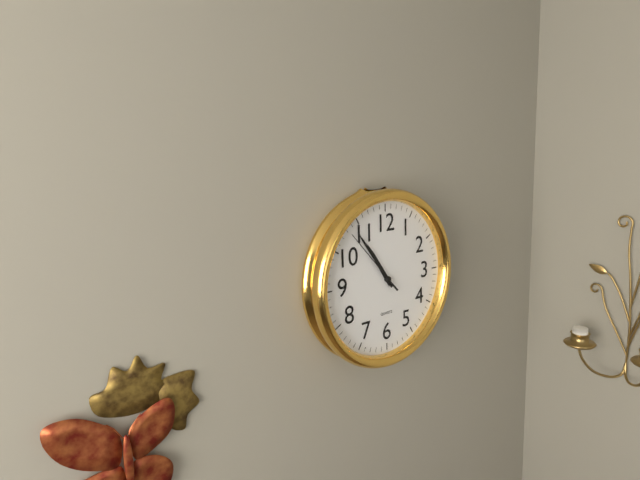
10h54m53s
